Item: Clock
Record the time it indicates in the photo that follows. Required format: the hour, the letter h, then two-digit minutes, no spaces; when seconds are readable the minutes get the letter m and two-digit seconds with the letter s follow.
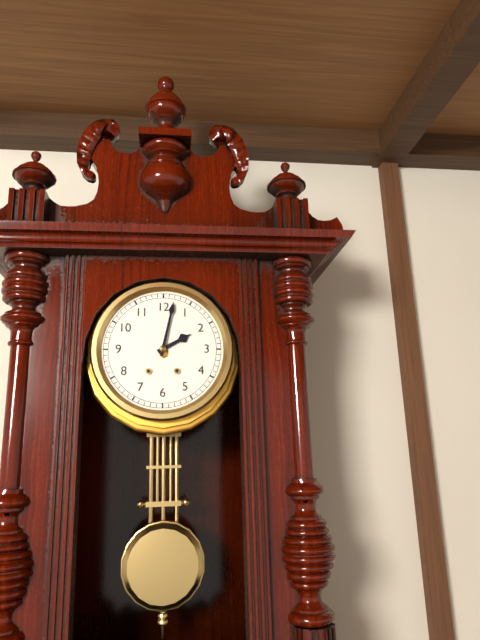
2h02
